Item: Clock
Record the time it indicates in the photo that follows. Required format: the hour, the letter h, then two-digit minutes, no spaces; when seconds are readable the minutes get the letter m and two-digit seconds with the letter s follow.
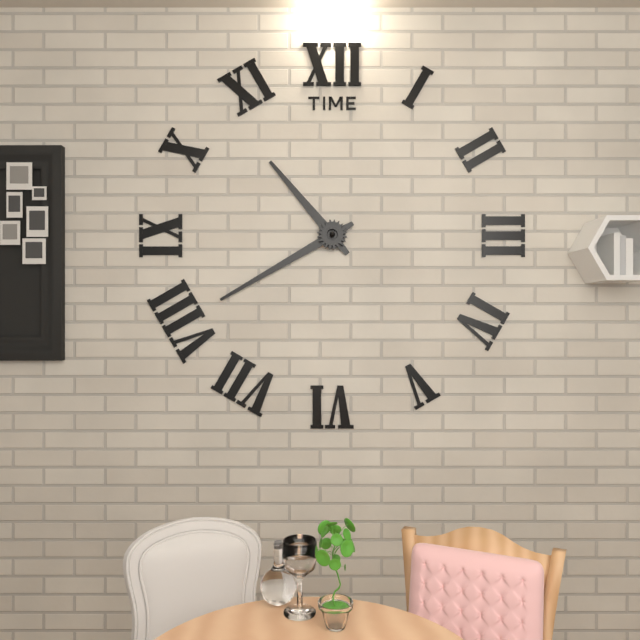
10h40
